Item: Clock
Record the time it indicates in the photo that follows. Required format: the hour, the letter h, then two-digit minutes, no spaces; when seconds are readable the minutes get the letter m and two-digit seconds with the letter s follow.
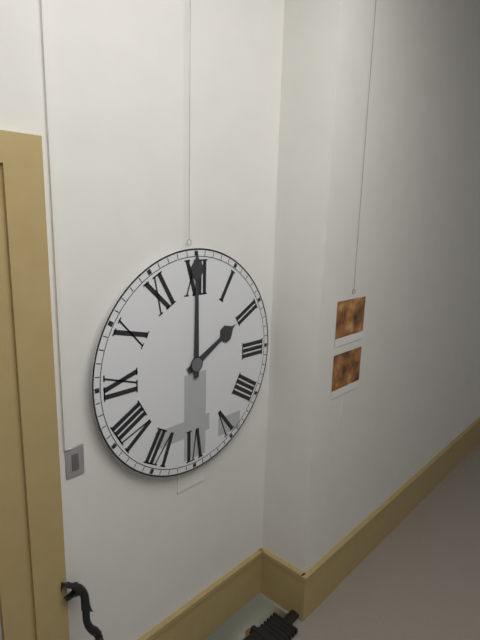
2h00
